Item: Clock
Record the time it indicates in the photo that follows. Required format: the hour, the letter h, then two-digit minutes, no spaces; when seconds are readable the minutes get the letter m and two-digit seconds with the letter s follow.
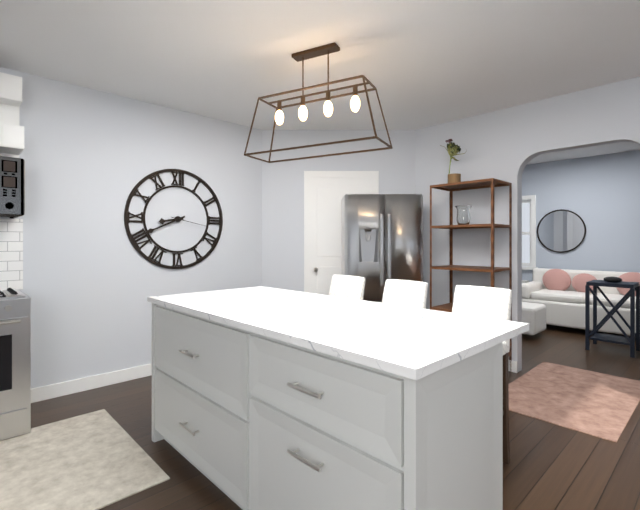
8h41
